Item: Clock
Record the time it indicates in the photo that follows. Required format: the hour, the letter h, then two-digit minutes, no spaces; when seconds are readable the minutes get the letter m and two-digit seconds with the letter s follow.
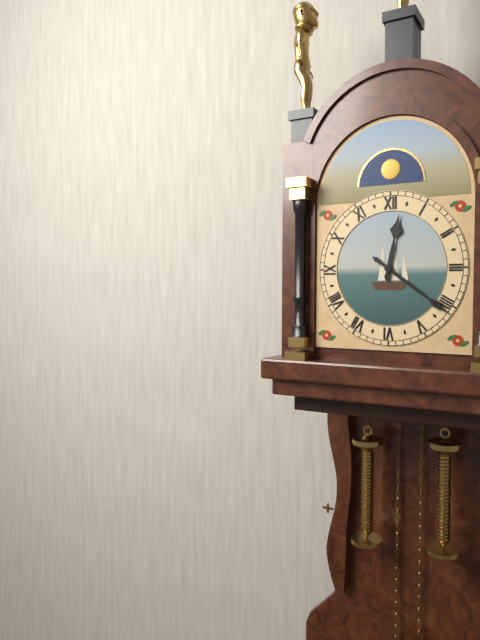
12h21
